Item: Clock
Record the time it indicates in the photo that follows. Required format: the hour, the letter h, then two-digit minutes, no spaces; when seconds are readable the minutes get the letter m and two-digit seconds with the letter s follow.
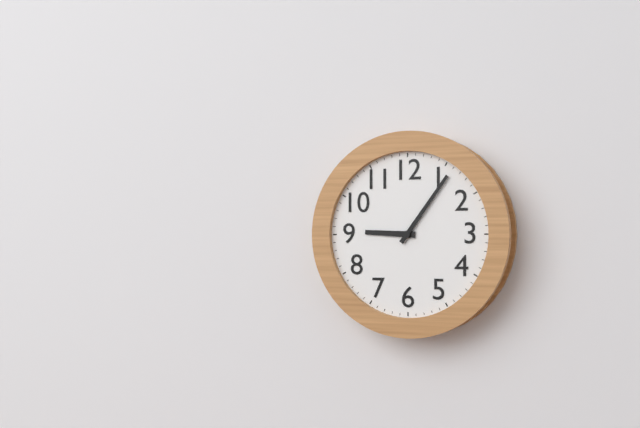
9h06
